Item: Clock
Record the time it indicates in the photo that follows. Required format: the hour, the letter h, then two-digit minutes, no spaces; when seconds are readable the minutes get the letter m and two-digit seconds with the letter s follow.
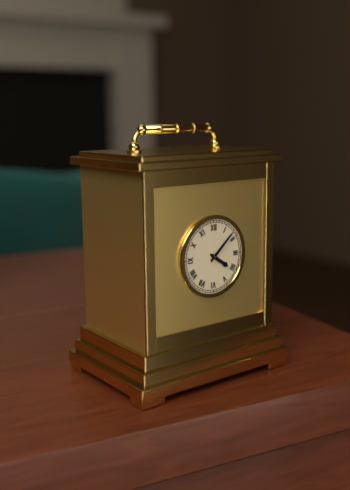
4h08
